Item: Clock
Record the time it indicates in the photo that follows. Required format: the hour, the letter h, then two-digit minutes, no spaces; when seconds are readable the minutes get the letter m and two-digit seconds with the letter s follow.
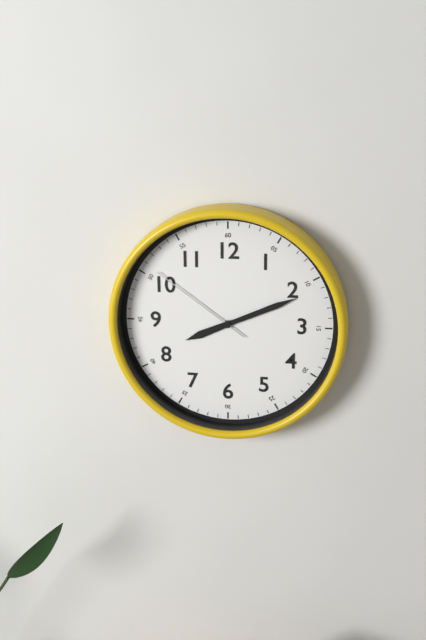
8h11m51s
